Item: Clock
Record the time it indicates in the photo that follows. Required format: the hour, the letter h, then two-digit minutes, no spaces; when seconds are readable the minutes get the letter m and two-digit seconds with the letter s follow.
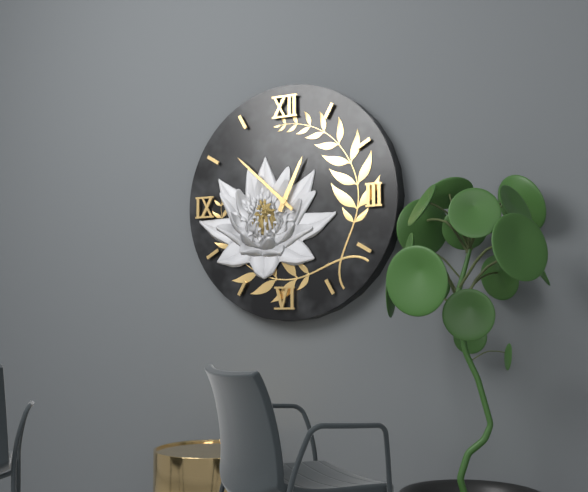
12h52
